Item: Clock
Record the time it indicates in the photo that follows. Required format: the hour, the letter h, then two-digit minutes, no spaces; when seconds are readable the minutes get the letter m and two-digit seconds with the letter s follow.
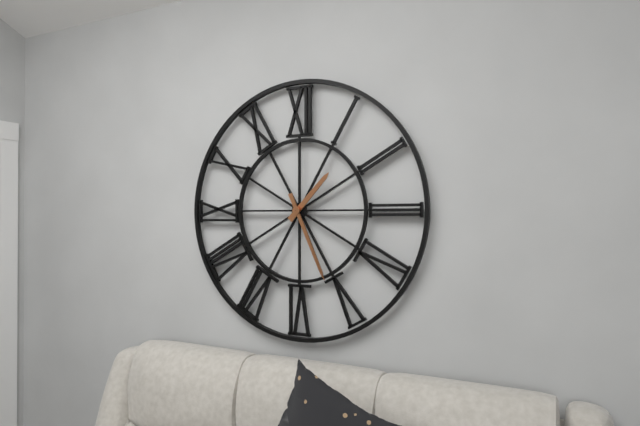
1h26
